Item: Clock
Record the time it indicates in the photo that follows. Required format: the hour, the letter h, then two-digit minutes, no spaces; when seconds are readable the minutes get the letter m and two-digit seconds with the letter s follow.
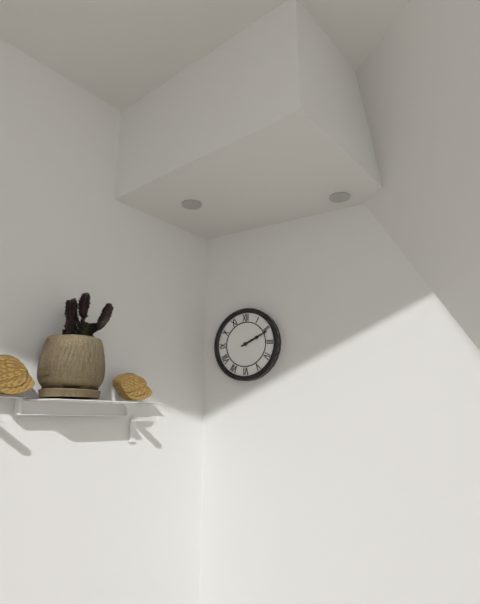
2h11
